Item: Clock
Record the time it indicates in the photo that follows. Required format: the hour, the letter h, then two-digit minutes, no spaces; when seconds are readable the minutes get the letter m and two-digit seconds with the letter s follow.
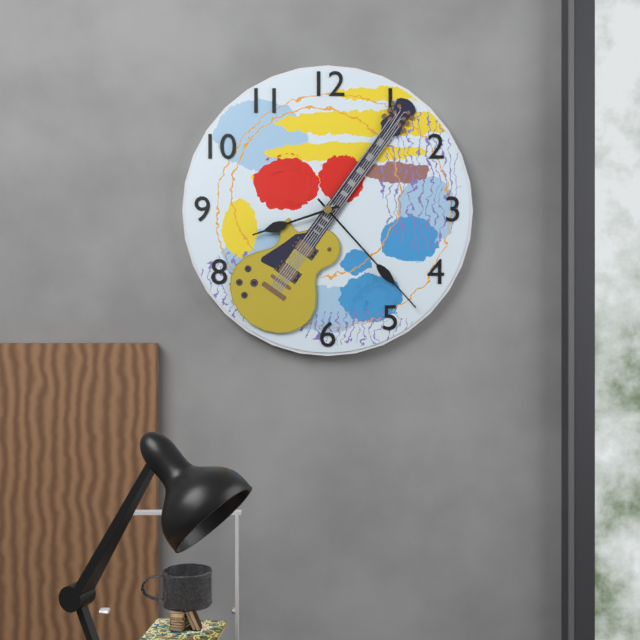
8h23m06s
